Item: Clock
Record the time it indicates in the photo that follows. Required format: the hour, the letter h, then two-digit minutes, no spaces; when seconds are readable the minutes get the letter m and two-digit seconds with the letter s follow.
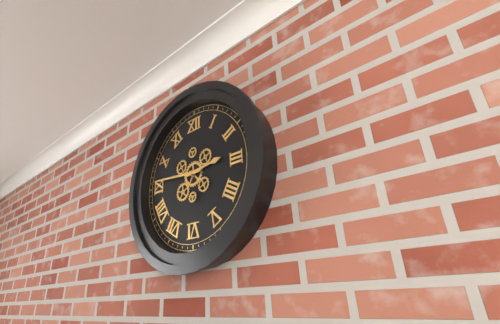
2h46
